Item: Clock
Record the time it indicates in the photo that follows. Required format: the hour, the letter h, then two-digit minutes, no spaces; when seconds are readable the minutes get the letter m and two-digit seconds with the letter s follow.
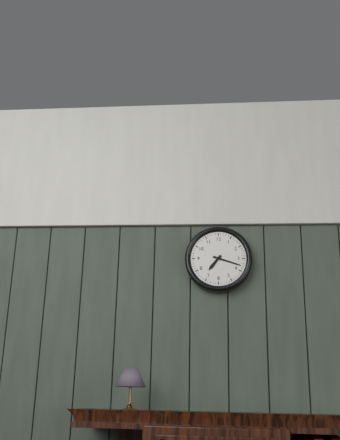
7h18
